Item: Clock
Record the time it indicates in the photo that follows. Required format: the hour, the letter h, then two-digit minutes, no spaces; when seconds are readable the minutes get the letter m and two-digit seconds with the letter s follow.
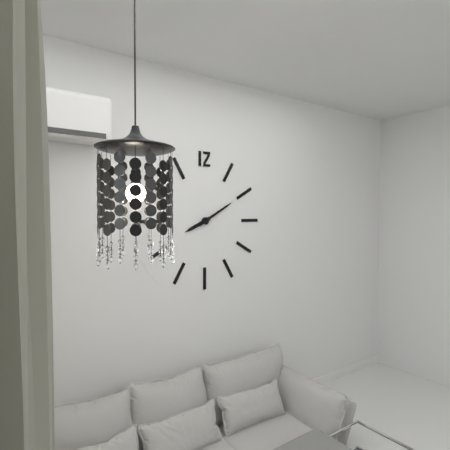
8h10
